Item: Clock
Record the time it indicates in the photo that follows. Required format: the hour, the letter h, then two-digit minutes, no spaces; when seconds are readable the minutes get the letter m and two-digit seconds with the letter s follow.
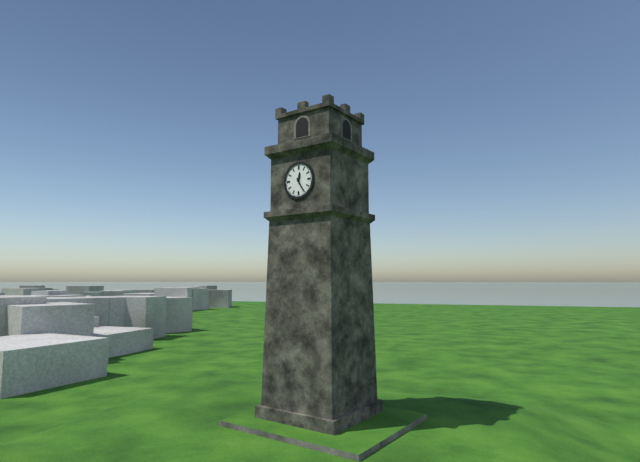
12h25
